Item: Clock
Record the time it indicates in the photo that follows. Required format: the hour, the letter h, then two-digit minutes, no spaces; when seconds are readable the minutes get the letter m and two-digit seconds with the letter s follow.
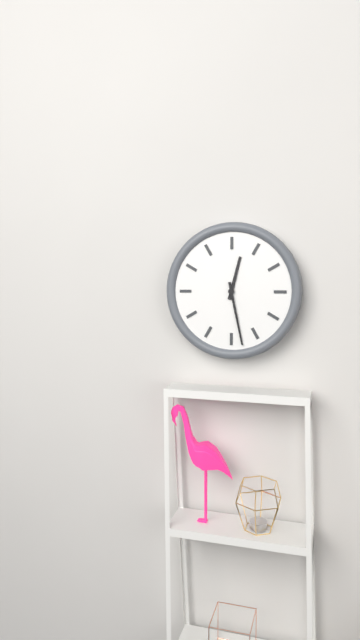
12h28
